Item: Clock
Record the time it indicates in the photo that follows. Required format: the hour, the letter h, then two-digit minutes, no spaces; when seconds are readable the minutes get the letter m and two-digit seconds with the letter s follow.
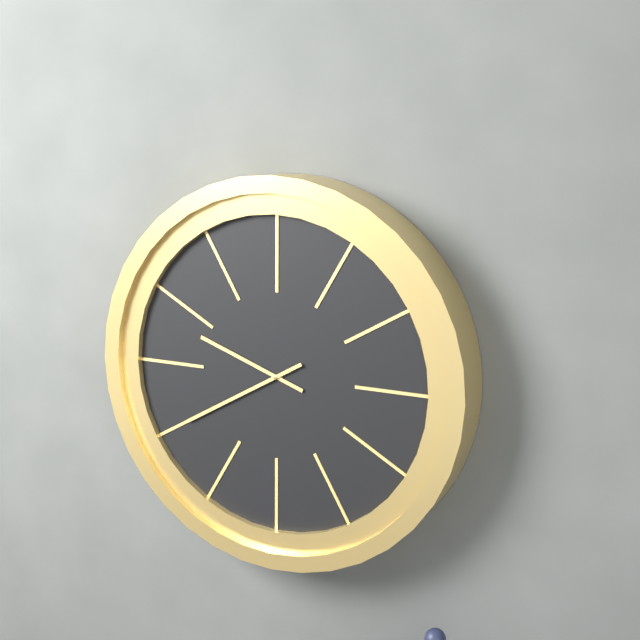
9h40
